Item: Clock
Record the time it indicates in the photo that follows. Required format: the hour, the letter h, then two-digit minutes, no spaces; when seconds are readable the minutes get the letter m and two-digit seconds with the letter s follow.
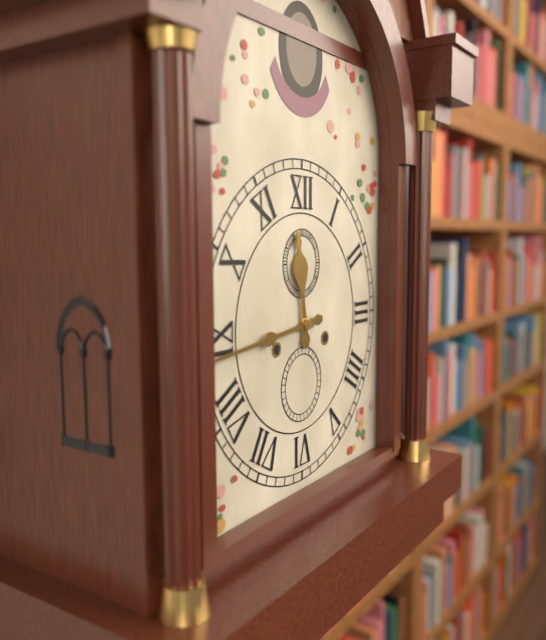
11h44
